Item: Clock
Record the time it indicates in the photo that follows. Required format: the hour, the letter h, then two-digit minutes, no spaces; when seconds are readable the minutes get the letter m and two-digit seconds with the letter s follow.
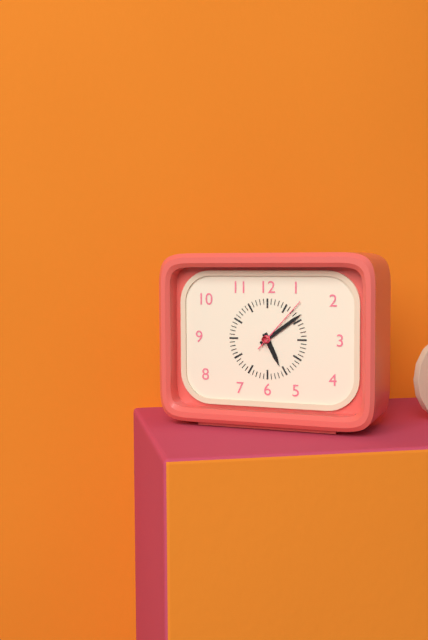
5h09m07s
